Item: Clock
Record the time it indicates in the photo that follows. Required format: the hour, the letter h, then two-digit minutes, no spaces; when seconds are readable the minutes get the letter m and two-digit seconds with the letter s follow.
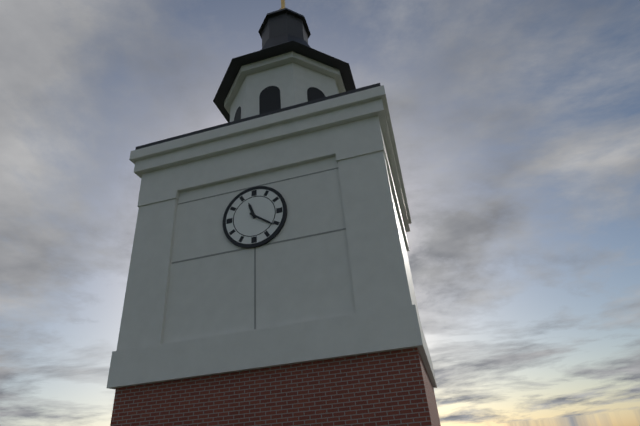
11h21
